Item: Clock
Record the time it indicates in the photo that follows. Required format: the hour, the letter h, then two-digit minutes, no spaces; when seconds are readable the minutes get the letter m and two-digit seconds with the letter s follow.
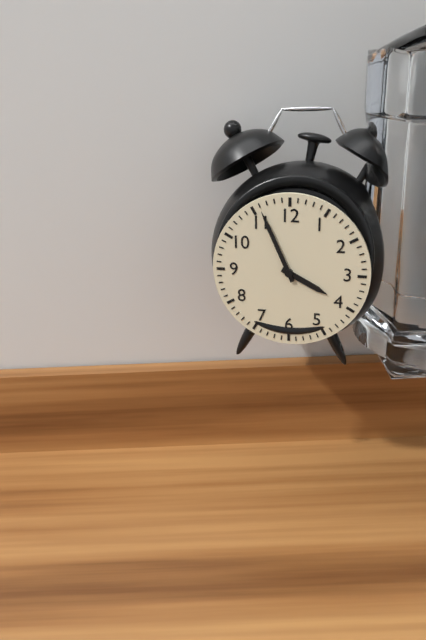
3h56
